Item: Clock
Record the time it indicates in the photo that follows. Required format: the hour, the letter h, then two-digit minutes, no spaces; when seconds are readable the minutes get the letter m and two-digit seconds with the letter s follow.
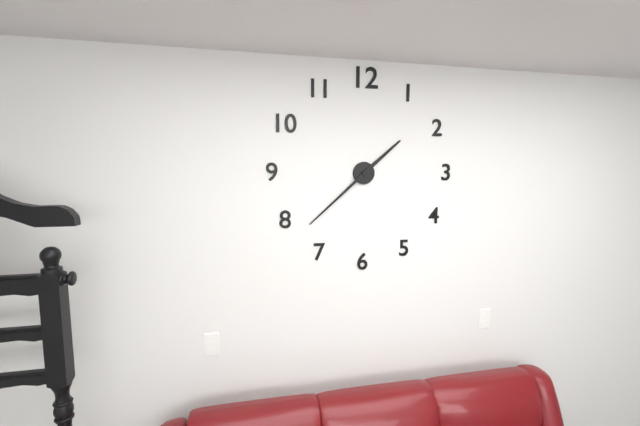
1h38
